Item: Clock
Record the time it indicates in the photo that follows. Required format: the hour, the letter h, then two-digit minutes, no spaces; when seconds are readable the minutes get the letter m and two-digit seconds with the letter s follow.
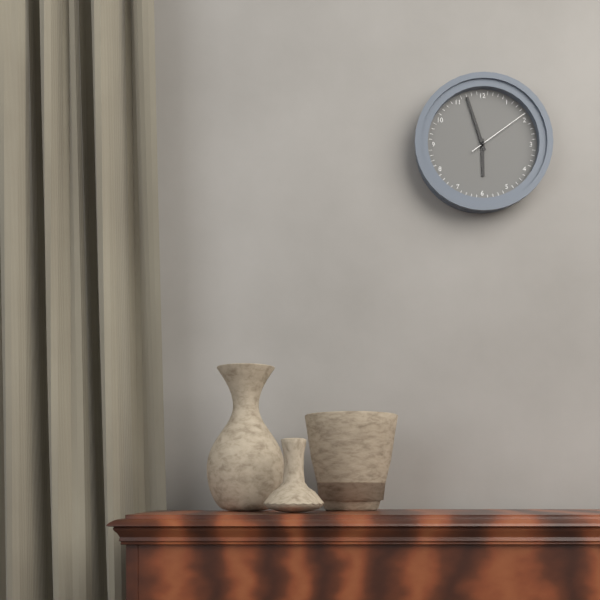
5h57m09s
